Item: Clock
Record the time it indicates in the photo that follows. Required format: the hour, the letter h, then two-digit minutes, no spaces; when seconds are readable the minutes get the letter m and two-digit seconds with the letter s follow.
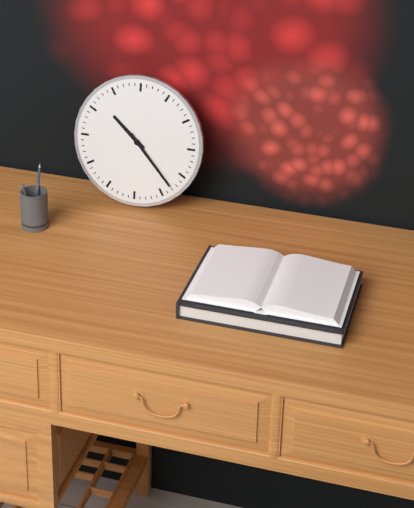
10h23
